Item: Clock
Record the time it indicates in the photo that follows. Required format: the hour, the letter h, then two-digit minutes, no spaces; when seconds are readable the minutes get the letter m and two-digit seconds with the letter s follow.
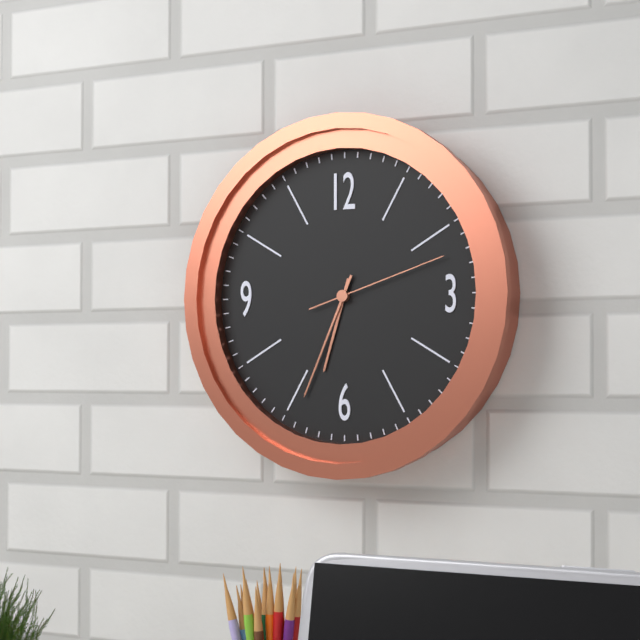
6h34m12s
